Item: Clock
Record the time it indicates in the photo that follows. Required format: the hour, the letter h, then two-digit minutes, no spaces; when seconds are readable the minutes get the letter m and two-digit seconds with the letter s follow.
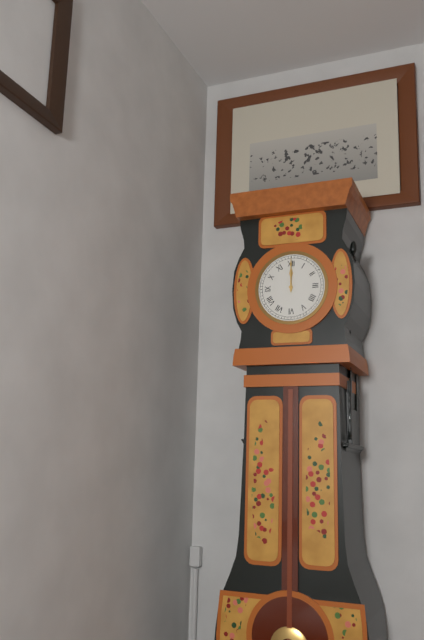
12h00
